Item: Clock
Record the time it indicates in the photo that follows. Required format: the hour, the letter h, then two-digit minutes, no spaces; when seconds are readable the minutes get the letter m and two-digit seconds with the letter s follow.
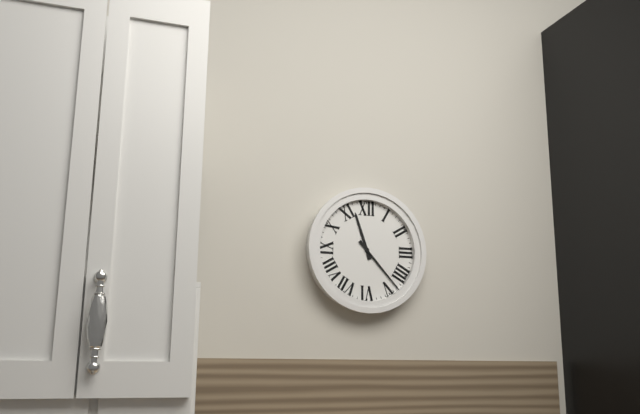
11h23
